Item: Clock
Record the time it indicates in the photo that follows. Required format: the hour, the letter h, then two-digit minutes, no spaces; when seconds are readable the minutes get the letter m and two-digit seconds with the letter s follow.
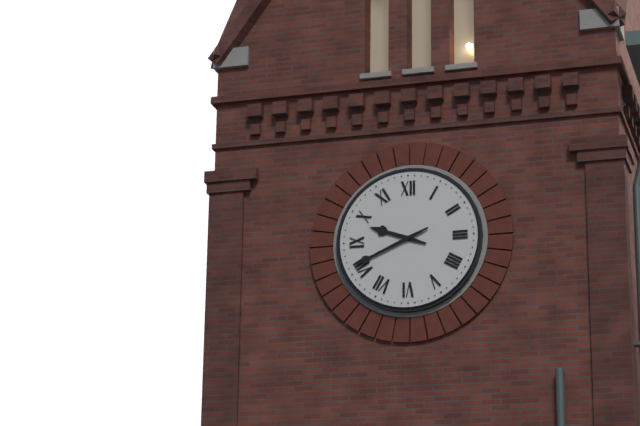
9h41
